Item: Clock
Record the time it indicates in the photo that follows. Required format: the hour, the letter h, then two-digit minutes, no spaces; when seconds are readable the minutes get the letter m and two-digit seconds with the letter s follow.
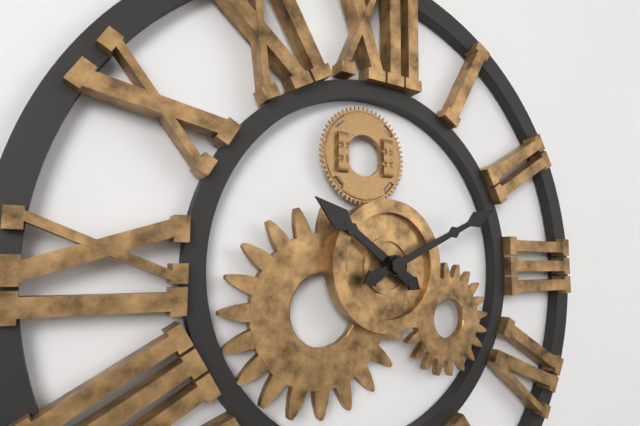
10h11
